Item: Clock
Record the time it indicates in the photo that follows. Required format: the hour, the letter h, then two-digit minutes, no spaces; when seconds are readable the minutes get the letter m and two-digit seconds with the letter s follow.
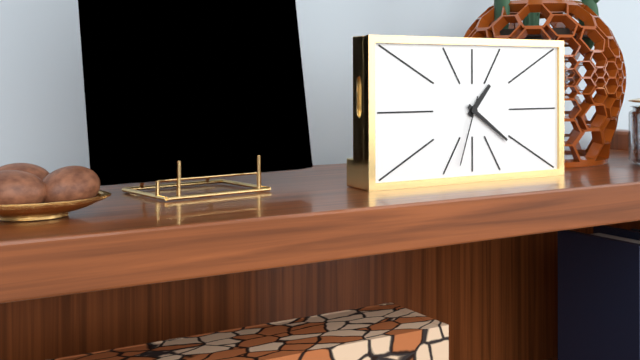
1h21m33s
